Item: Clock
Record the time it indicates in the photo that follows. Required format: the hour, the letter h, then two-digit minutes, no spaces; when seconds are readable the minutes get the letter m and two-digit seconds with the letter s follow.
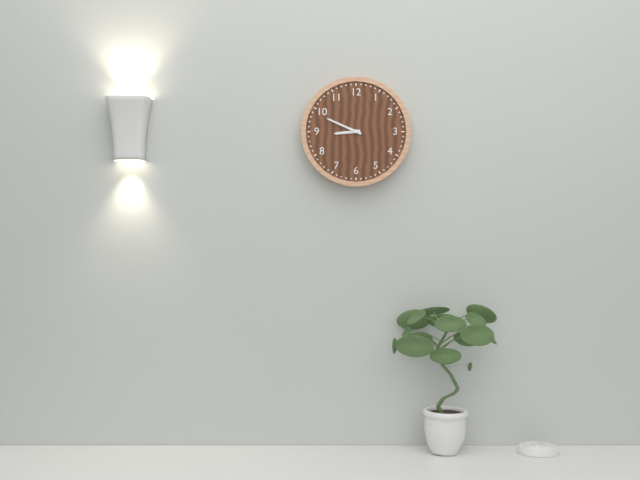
8h49
